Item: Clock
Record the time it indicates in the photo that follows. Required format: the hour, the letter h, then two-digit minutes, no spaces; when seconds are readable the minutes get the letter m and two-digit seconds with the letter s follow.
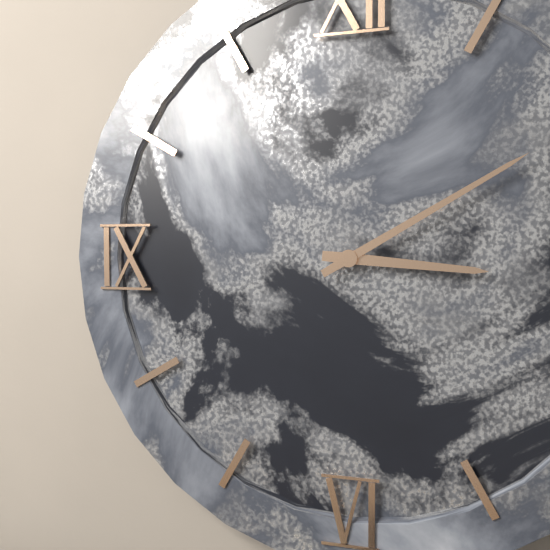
3h10
